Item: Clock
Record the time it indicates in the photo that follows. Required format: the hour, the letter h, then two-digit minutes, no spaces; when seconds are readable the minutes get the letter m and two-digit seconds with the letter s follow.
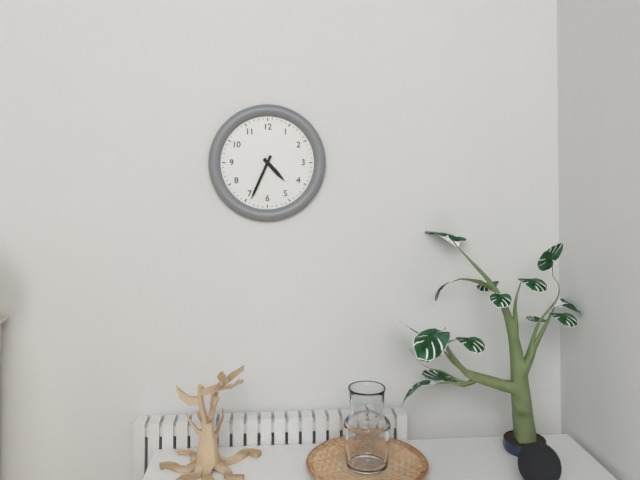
4h34
